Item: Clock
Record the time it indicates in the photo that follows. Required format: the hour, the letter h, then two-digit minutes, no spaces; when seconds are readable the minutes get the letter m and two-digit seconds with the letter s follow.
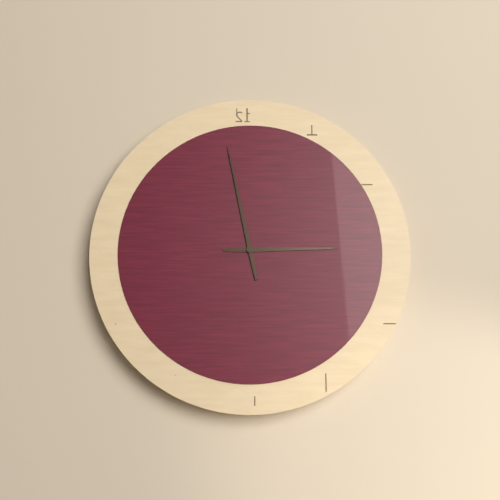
2h58
